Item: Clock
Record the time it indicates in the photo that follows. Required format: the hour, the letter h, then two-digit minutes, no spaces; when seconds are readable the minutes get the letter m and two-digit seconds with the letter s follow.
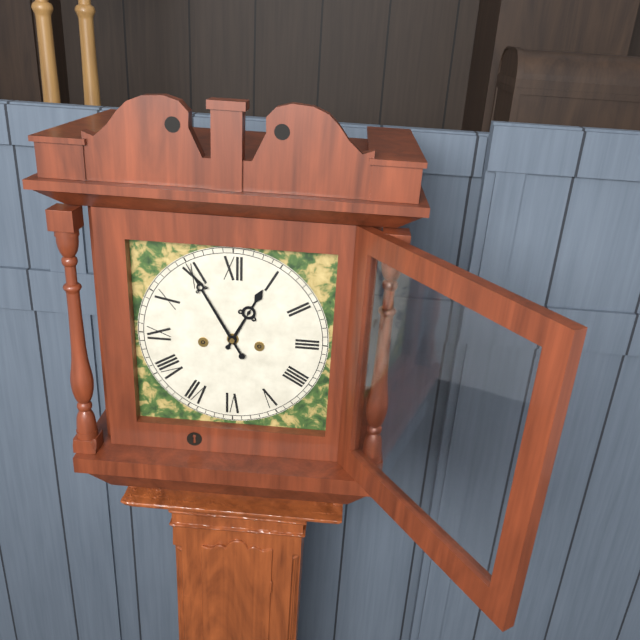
12h55
